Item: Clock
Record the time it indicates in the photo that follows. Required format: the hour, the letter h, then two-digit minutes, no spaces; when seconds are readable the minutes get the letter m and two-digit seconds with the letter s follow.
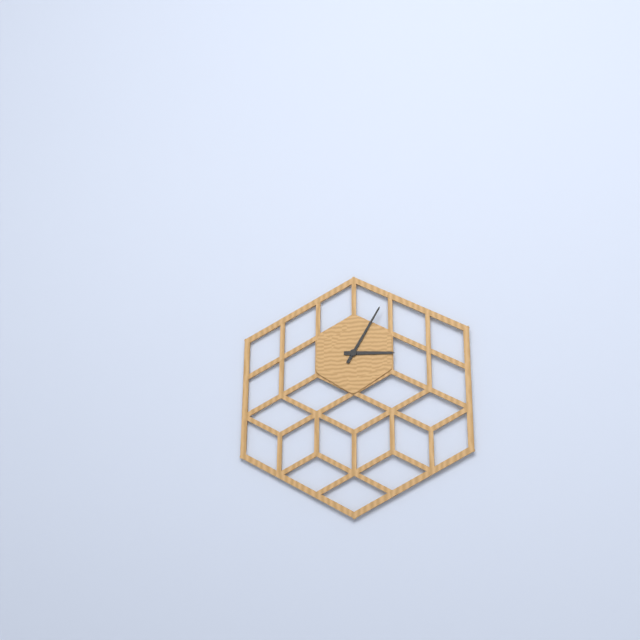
3h05
